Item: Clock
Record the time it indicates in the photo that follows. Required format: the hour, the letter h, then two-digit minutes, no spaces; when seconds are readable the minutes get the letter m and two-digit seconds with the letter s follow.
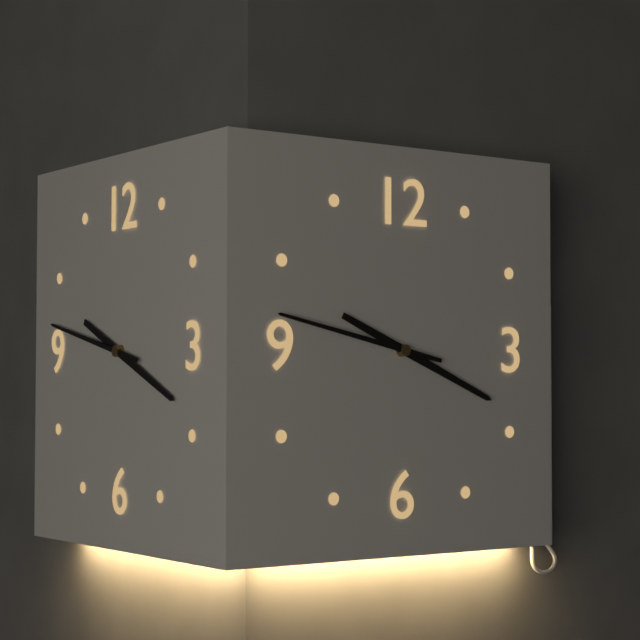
3h47
